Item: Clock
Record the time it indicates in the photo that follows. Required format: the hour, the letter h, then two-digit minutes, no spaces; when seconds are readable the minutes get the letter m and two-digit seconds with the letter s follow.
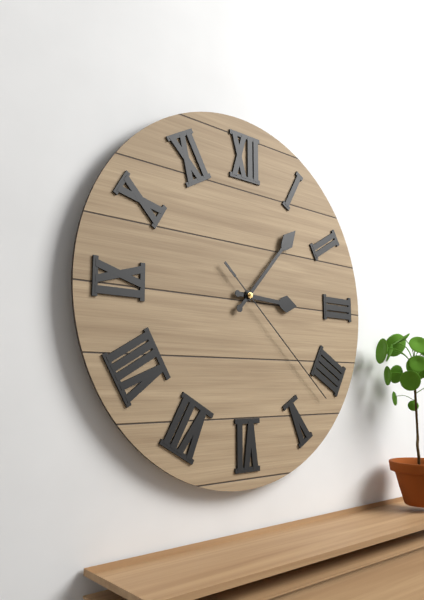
3h07m22s
